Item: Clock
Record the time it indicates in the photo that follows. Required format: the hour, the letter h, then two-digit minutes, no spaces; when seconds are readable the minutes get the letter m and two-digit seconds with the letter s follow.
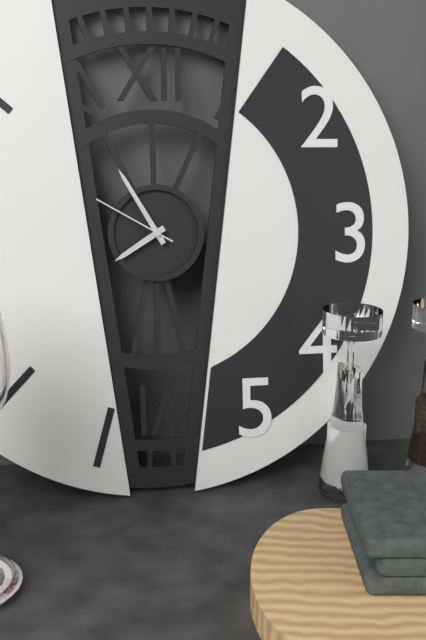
7h55m50s
